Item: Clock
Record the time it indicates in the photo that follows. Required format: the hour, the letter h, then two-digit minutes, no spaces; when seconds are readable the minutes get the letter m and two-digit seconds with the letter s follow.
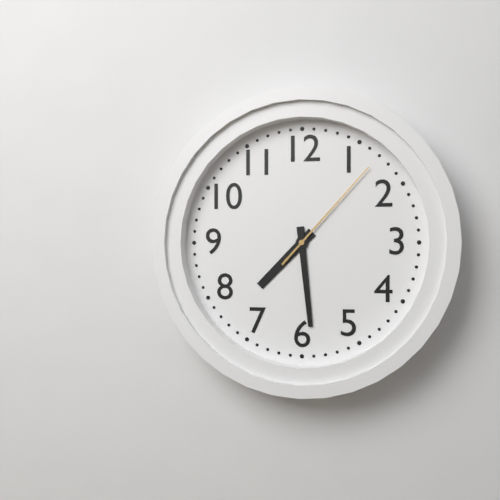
7h29m07s
